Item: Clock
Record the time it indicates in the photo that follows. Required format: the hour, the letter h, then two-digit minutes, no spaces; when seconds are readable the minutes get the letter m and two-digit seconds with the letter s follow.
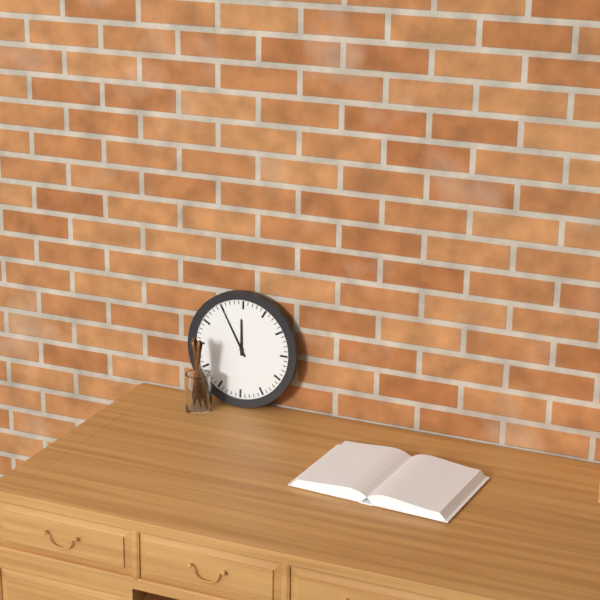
11h55
